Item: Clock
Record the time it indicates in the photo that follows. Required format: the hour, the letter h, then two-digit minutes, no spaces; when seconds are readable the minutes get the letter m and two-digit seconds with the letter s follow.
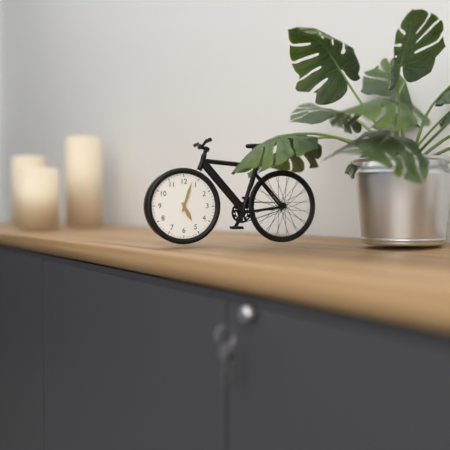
5h03
